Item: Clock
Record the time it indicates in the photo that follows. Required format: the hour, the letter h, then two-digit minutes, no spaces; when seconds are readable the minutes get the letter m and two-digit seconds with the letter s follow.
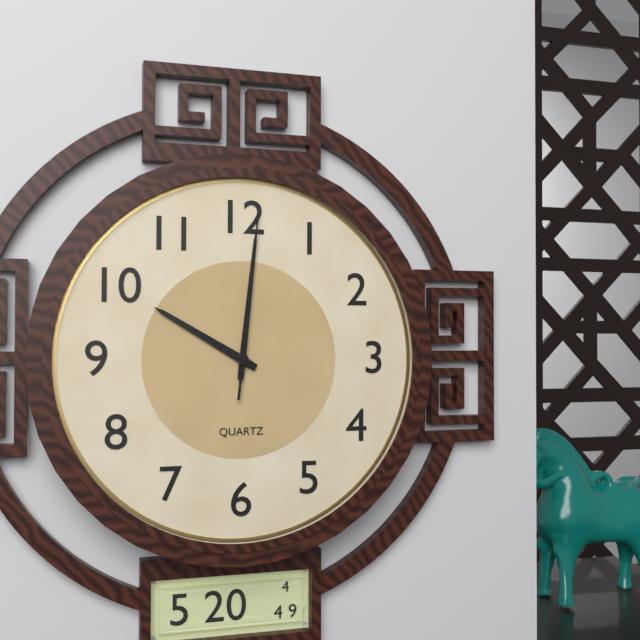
10h01m01s
